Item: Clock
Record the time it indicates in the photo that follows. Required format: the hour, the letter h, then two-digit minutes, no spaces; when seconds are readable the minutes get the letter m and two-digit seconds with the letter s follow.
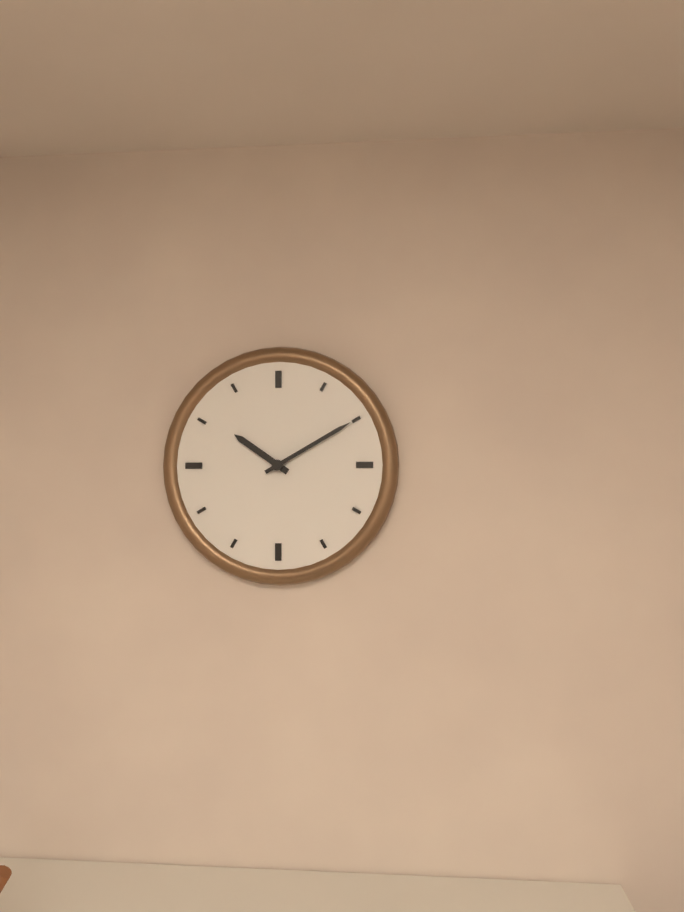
10h10
